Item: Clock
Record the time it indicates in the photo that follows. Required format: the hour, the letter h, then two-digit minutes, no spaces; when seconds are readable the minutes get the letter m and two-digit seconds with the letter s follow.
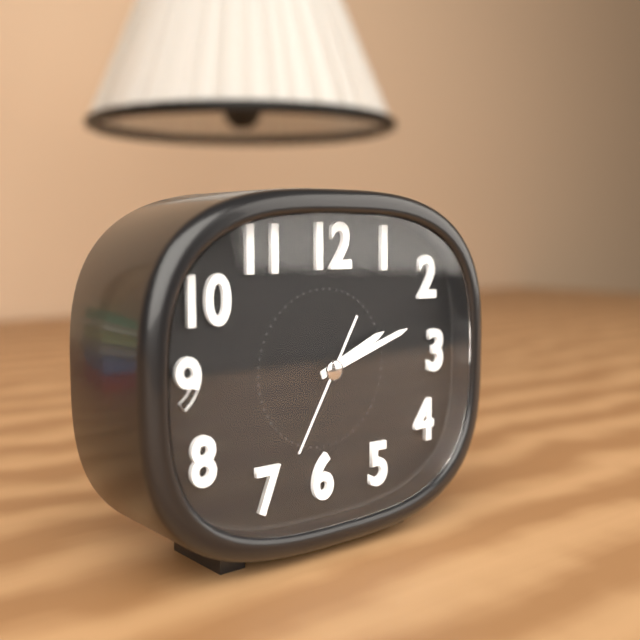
2h12m35s
